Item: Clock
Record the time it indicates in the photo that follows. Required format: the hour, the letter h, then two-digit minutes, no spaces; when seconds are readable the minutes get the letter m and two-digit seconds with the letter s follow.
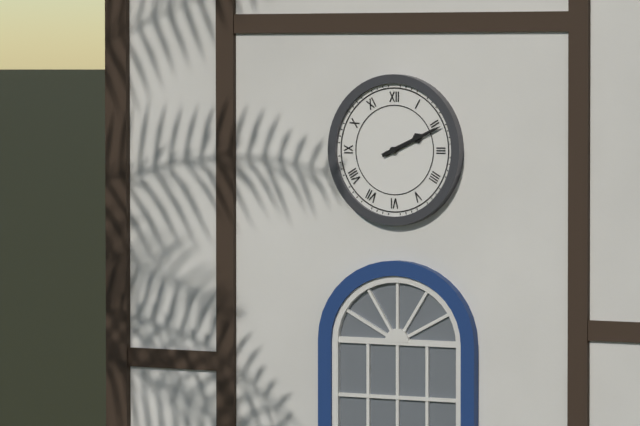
2h11
